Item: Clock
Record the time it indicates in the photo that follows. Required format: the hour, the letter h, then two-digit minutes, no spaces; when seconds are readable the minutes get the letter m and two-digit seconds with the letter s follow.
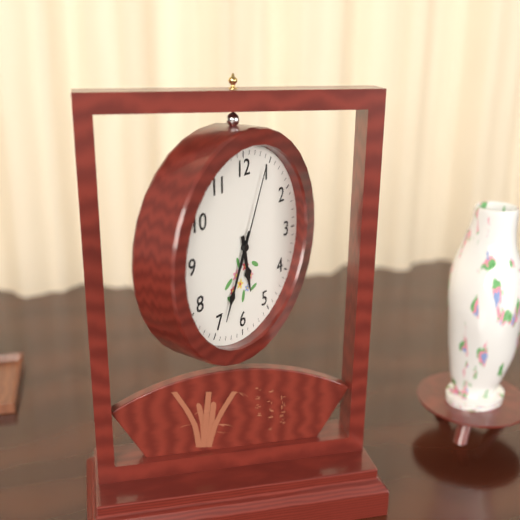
5h34m04s
